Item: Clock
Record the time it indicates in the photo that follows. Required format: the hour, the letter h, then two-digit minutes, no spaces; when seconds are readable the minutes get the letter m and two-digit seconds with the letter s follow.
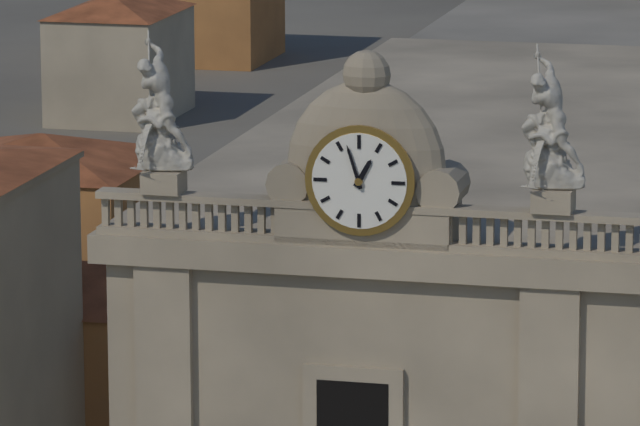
12h57
